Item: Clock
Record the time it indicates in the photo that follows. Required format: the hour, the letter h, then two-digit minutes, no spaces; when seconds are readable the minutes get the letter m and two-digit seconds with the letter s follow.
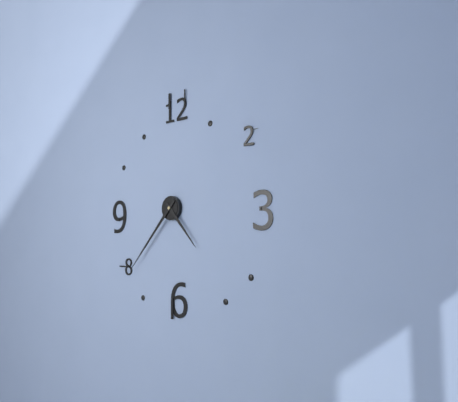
4h37
